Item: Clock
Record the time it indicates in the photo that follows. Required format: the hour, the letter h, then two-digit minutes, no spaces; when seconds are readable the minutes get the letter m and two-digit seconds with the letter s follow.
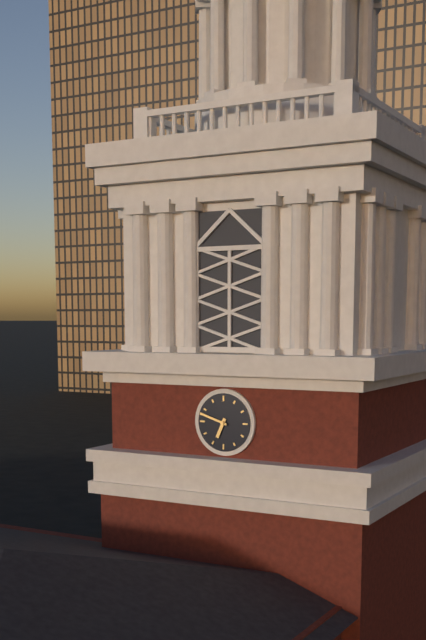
6h48
